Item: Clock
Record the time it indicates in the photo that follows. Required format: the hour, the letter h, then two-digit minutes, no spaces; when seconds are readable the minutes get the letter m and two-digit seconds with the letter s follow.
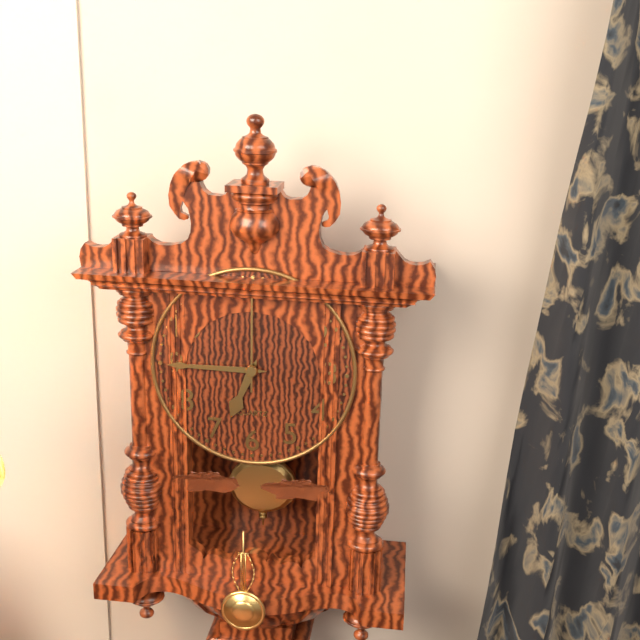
6h45m00s
